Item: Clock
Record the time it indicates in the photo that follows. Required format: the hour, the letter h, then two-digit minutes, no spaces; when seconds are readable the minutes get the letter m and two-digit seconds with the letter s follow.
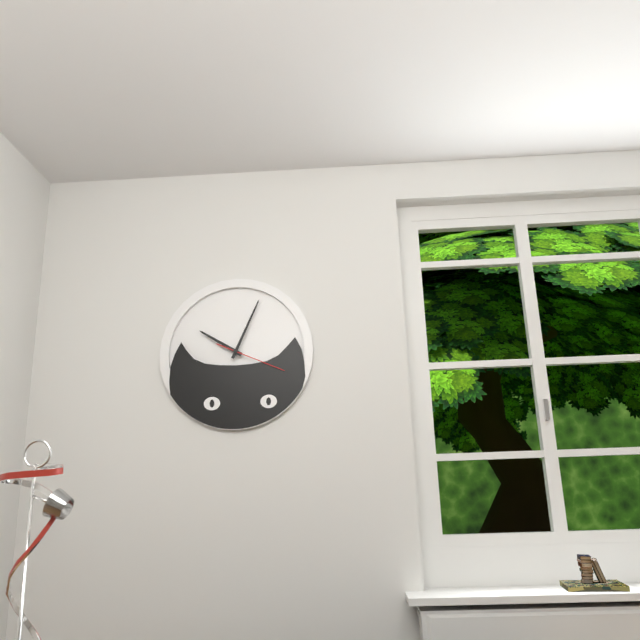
10h04m19s
